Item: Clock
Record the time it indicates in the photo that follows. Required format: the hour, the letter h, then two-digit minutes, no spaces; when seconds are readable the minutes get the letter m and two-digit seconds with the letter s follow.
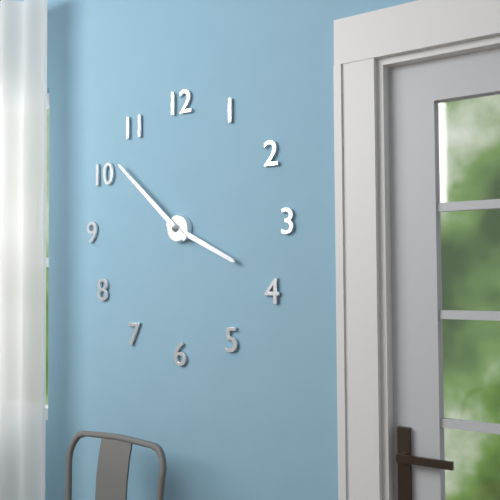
3h52
